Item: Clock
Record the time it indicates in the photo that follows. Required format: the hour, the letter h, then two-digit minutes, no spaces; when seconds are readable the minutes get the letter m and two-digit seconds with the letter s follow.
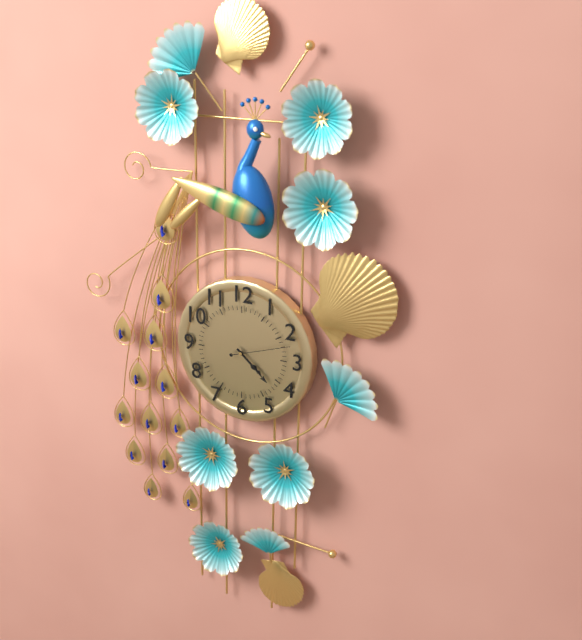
4h22m12s
